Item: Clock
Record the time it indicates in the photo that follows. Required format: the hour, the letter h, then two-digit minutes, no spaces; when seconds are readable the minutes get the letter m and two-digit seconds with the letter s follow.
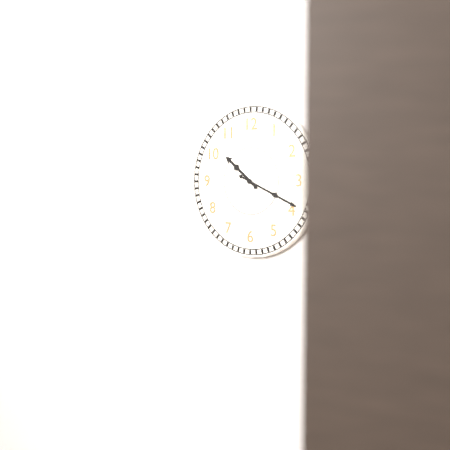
10h19
